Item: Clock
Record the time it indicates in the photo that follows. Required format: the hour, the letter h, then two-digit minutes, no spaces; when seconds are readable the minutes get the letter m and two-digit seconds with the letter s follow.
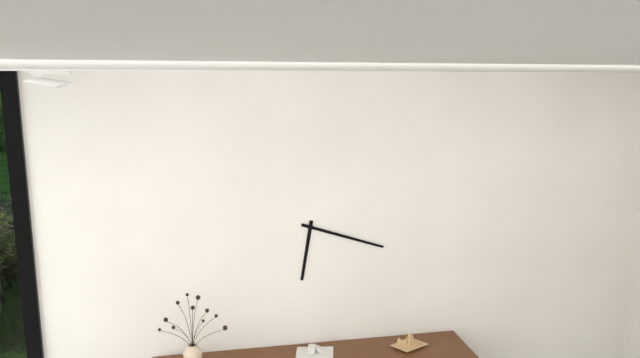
6h18
